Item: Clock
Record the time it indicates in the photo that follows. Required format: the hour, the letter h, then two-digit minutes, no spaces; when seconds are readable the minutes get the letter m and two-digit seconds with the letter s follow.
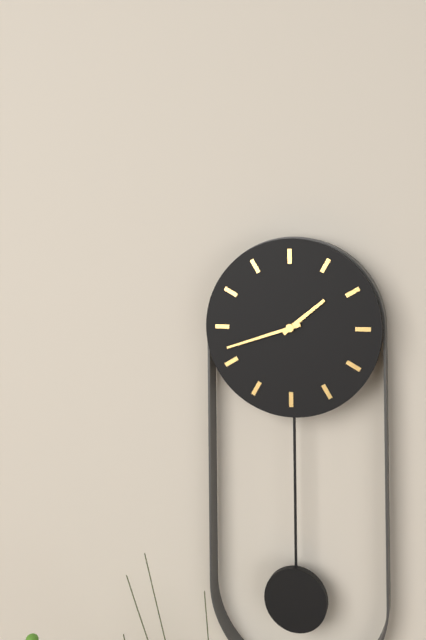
1h42
